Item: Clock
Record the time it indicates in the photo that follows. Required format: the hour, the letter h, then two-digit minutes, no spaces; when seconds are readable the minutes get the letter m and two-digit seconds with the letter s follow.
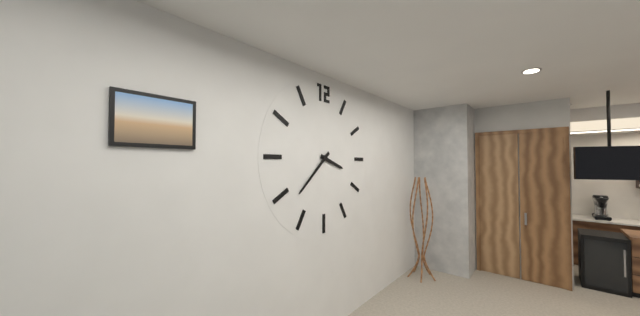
3h38
